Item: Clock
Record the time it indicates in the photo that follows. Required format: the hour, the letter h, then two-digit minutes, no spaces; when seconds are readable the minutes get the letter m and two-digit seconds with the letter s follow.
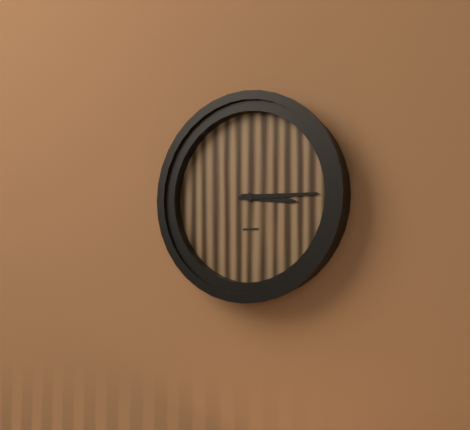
3h15
